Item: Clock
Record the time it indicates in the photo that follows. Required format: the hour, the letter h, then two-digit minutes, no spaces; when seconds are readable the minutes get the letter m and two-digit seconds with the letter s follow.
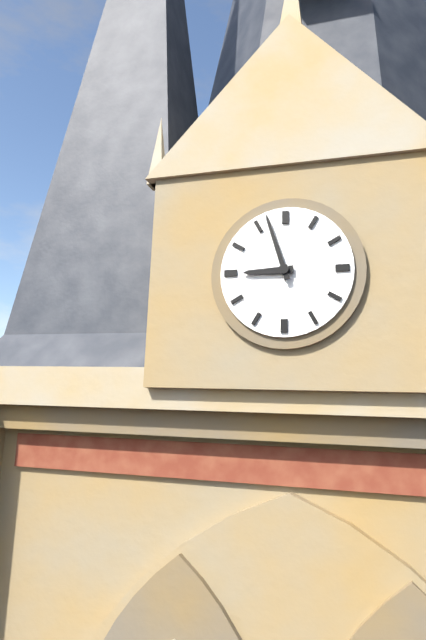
8h57
